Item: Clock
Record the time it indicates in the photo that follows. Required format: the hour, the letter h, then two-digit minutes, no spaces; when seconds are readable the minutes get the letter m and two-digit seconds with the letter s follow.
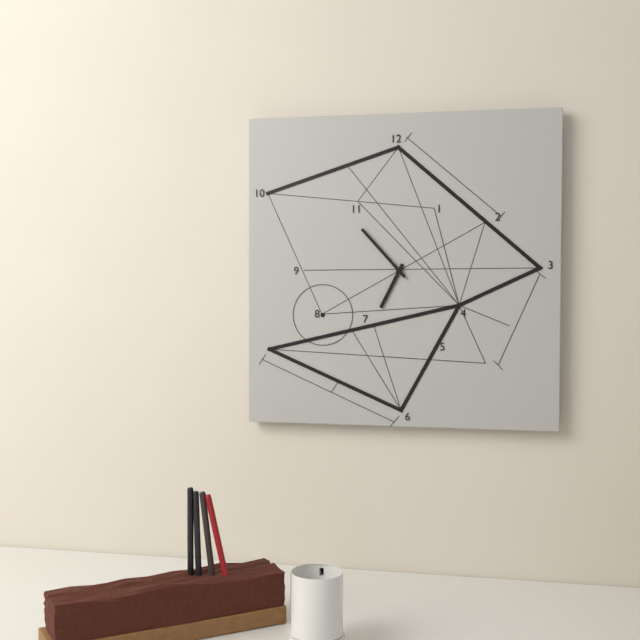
6h53
